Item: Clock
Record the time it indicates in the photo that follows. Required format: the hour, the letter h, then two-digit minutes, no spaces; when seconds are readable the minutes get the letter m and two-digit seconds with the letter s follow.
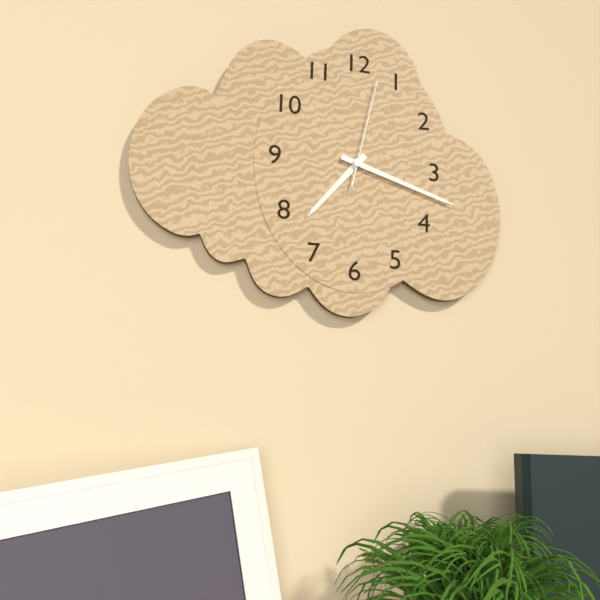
7h18m02s
